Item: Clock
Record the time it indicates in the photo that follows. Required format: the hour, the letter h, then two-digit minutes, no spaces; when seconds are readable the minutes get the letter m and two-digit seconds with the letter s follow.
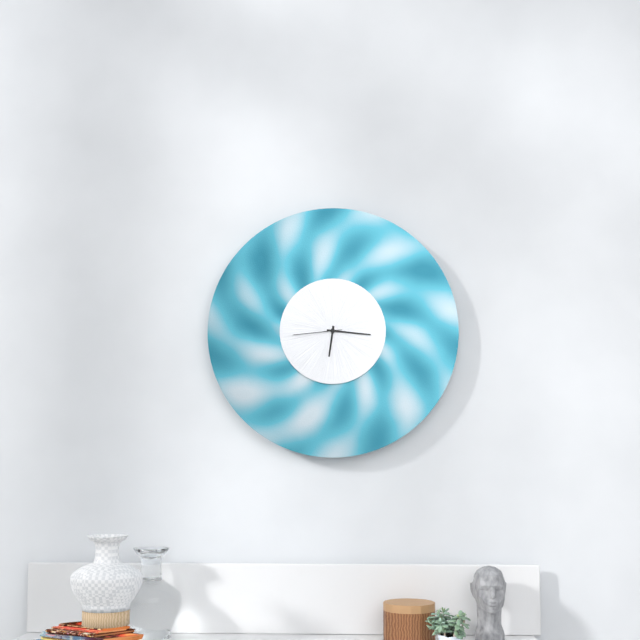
6h16m44s
